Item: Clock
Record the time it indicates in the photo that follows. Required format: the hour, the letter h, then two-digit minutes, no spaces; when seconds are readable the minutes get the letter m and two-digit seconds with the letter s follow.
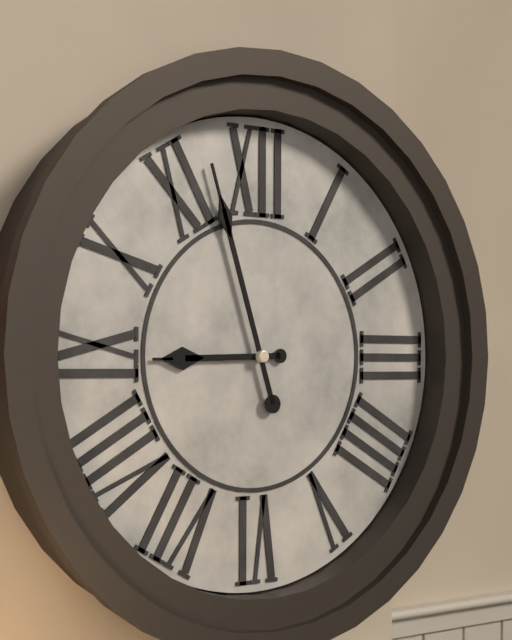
8h57
